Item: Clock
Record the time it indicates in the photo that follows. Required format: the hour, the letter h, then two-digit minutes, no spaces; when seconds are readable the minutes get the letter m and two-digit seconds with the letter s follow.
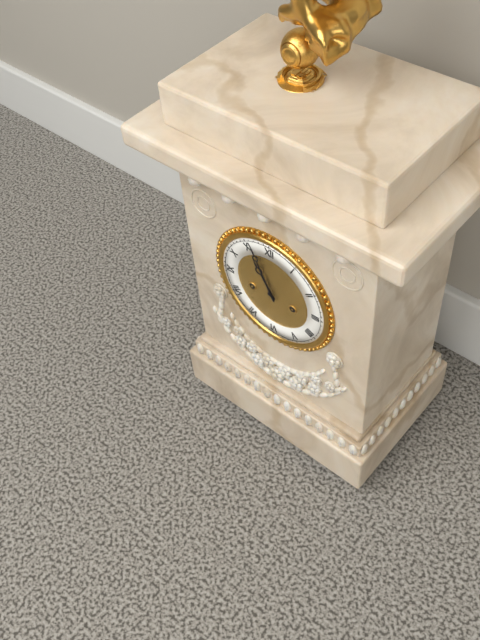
10h56
